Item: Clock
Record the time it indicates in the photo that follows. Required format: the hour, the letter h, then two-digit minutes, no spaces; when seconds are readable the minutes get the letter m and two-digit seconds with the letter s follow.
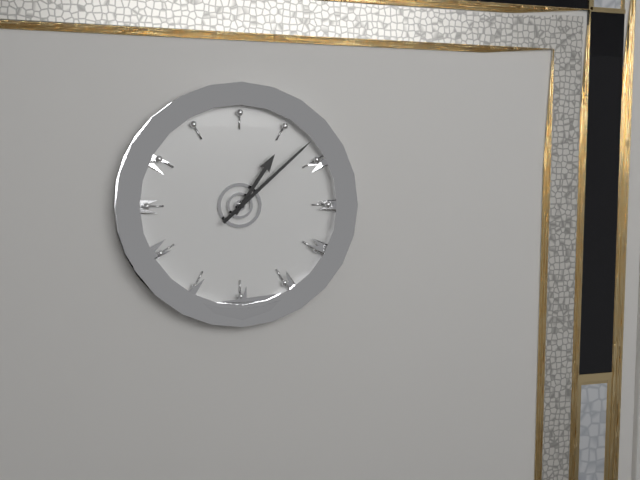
1h08
